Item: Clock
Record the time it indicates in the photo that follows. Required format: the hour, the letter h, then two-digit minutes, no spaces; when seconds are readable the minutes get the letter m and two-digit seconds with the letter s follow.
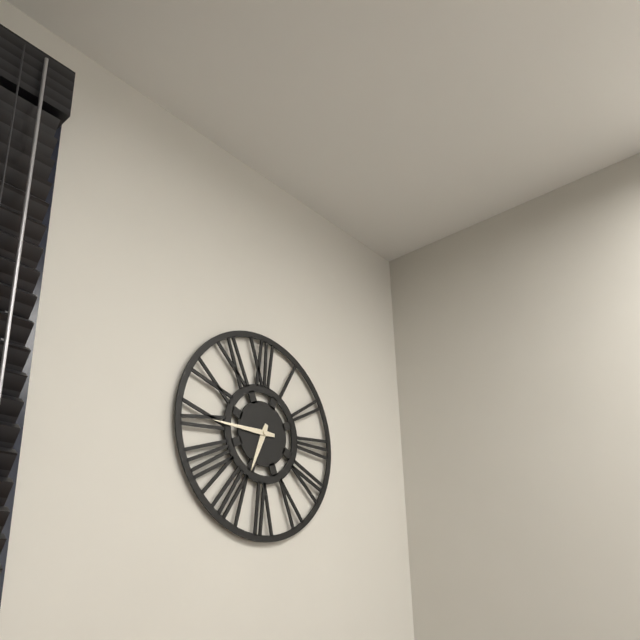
6h45
